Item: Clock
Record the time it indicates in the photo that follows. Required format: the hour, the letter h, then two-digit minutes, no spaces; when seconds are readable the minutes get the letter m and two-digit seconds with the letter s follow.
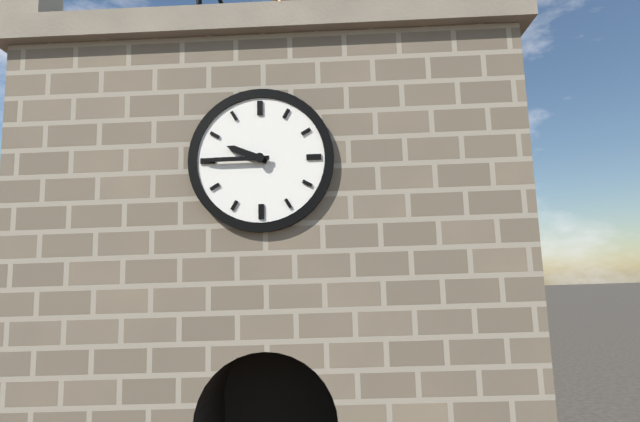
9h45
